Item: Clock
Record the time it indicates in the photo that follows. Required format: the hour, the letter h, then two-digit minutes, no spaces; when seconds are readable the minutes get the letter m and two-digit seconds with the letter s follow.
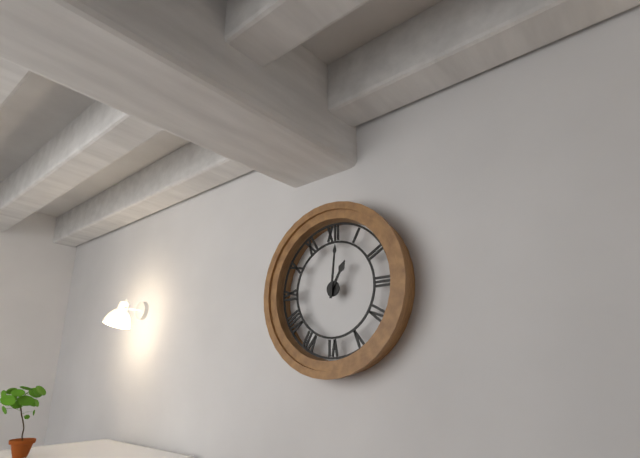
1h01
